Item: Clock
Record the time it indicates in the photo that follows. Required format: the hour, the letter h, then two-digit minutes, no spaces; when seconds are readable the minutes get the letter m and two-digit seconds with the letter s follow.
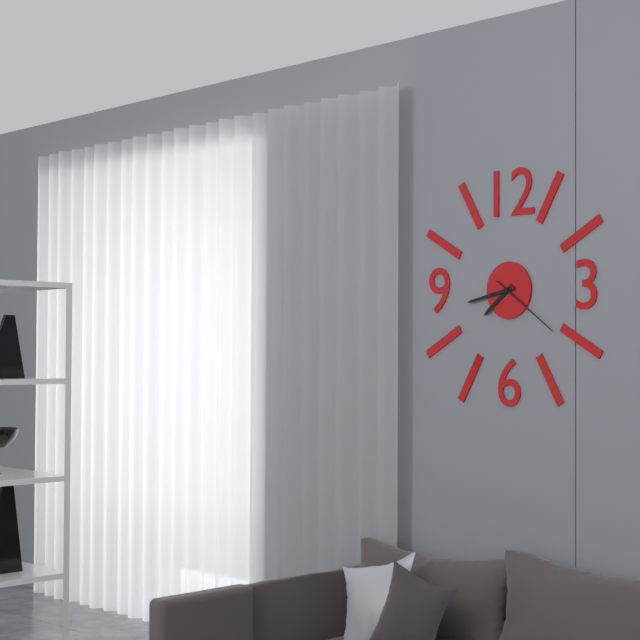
7h43m21s
